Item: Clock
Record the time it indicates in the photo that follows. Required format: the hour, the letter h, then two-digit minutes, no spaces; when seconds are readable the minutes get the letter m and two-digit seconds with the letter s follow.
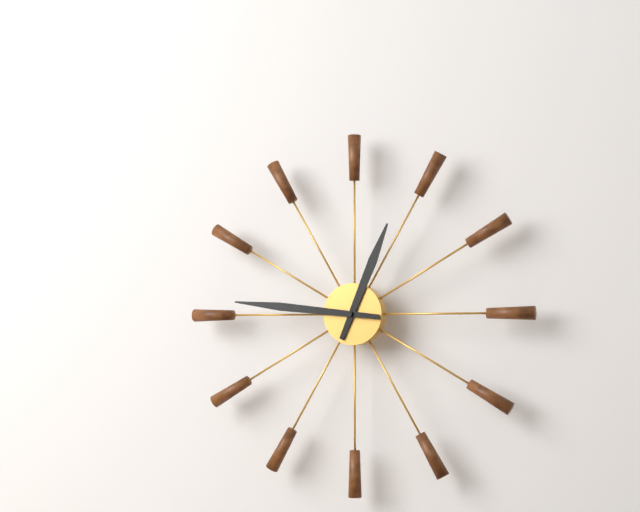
12h46
